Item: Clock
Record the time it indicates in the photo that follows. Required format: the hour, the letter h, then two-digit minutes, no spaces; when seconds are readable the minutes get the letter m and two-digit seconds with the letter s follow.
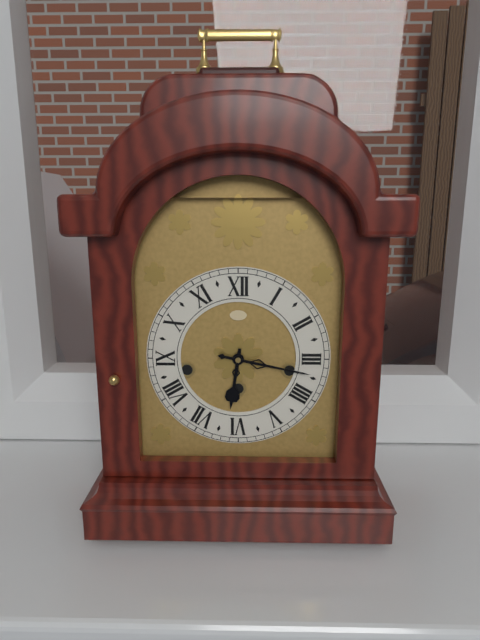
6h17
